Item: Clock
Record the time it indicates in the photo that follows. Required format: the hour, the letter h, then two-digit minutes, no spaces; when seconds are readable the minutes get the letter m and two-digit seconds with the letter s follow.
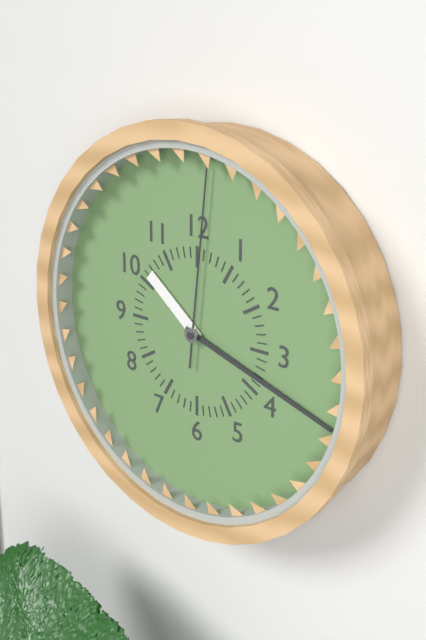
10h18m01s
